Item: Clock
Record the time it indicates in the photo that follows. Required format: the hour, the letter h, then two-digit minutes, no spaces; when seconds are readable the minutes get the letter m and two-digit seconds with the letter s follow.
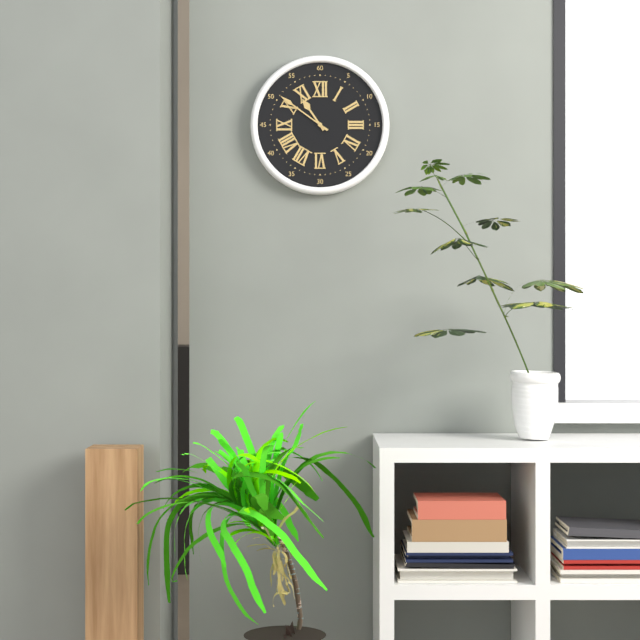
10h51
